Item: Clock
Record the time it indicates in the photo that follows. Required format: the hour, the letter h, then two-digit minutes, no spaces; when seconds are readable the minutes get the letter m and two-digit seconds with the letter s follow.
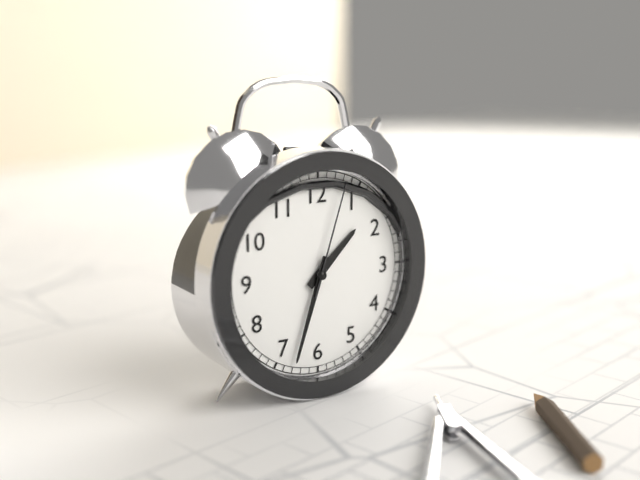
1h33m03s
